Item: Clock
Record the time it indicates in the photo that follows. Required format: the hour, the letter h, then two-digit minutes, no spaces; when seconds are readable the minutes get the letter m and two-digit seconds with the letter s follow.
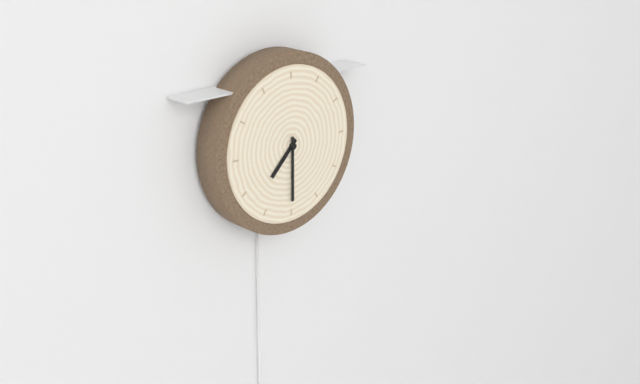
7h30
